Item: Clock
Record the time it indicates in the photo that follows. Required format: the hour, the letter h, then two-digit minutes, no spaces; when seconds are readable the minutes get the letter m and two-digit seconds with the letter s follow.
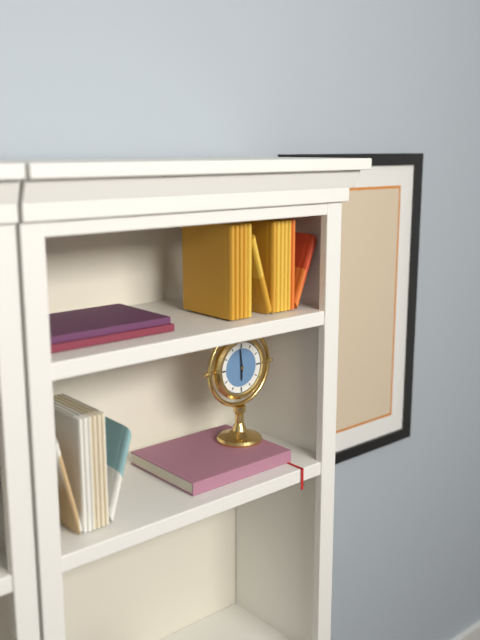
5h59
